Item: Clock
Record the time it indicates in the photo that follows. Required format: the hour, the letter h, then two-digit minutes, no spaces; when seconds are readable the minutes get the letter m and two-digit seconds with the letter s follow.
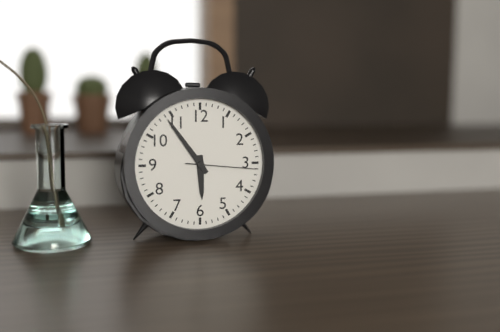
5h54m16s
